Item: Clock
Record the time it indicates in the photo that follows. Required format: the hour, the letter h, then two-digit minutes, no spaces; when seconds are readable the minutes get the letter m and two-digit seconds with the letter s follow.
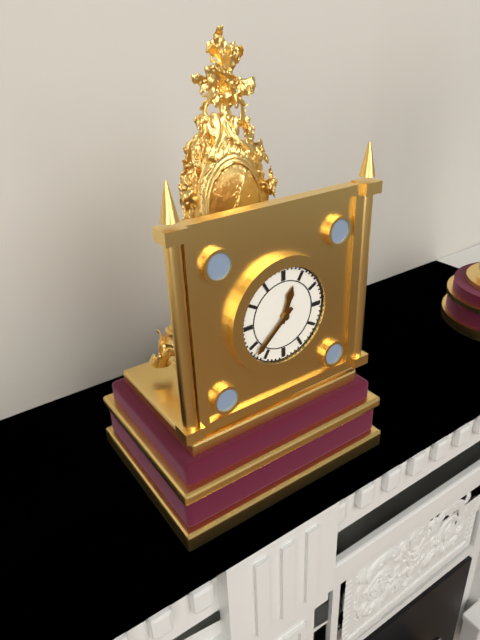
12h38
